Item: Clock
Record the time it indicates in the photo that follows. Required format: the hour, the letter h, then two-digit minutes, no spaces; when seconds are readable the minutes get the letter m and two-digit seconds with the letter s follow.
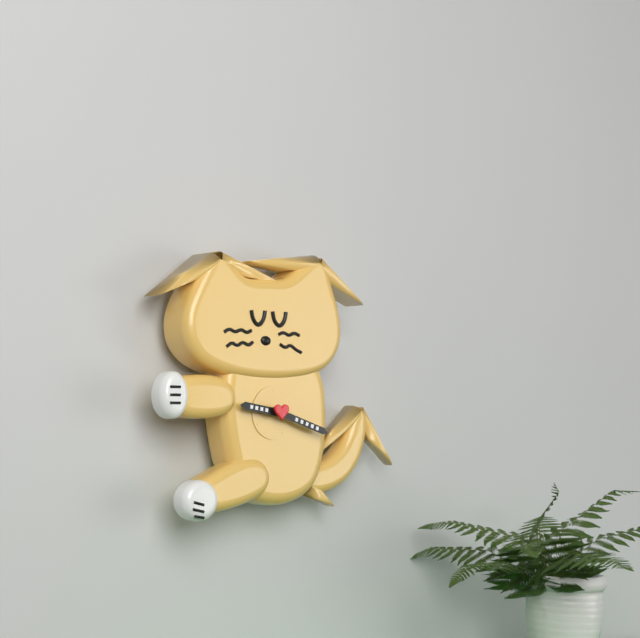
9h18
